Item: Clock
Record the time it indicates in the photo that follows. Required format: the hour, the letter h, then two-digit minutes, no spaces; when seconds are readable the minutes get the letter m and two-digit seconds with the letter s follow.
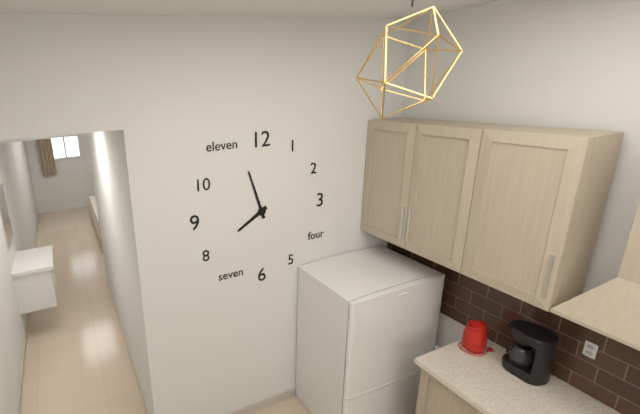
7h57
